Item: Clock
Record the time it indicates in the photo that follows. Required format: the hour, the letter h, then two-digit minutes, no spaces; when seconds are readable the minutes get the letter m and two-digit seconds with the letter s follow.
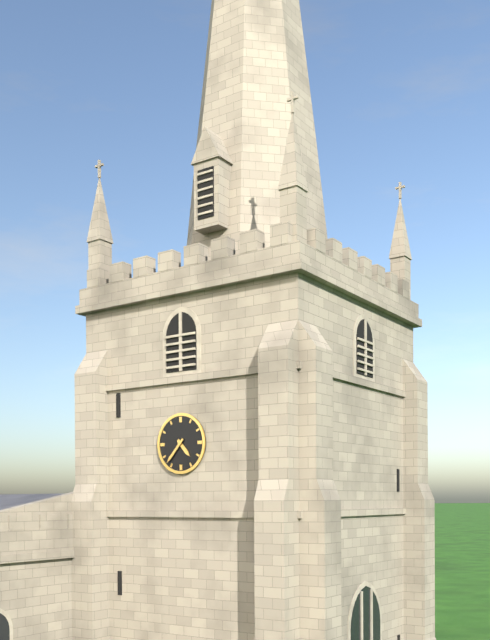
4h37
